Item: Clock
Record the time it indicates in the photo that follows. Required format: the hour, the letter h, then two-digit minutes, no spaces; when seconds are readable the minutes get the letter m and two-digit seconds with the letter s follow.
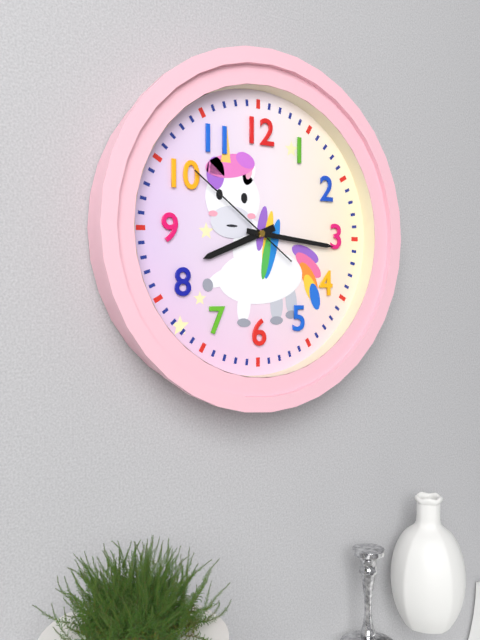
8h16m51s
